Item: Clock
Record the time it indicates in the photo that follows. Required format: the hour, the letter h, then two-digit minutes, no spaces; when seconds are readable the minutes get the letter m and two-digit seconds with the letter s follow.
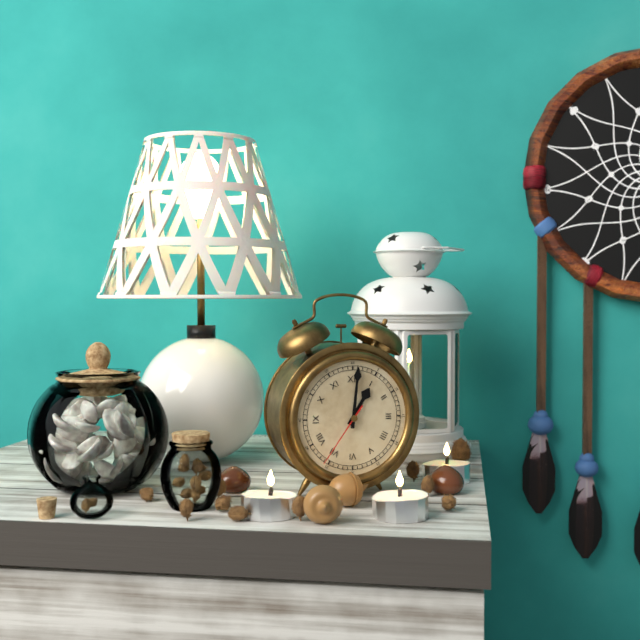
1h01m36s
